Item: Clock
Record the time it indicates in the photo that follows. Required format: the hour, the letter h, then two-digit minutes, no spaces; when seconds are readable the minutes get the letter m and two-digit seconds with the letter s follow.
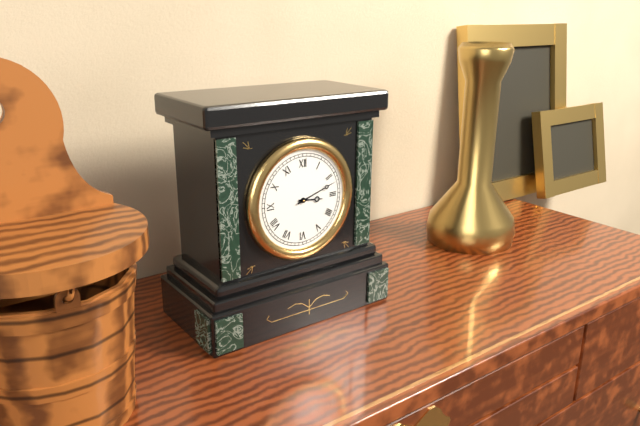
3h12
